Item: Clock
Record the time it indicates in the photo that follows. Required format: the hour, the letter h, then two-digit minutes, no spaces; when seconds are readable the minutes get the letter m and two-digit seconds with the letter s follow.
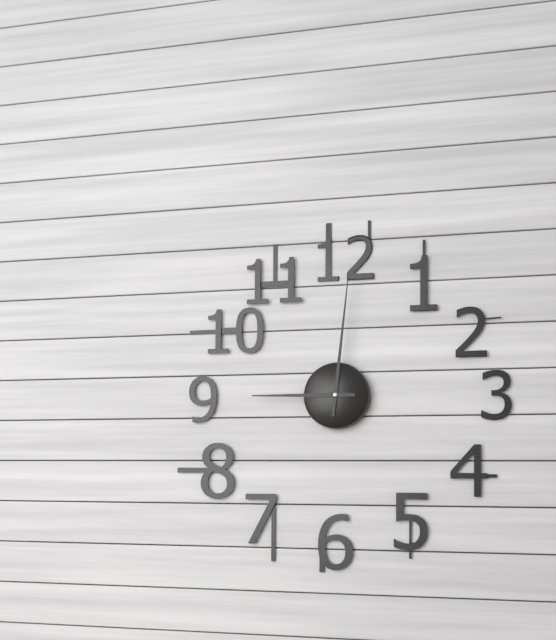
9h01
